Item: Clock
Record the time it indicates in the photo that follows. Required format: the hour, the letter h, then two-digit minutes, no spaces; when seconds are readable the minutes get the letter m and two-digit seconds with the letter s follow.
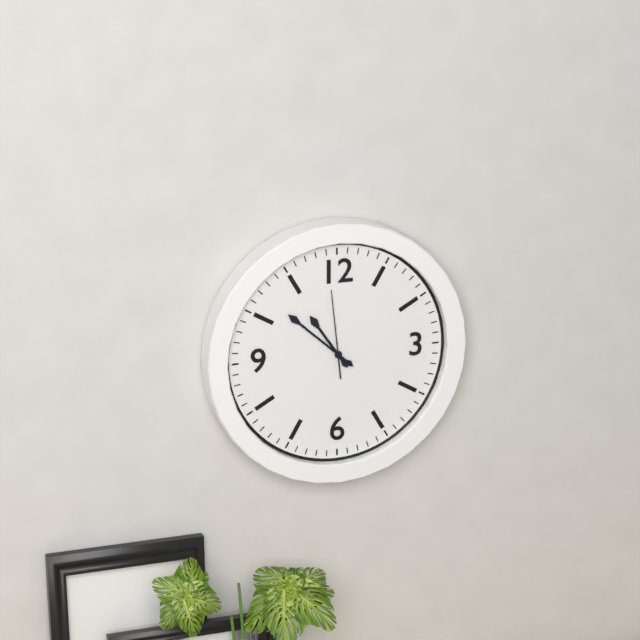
10h52m59s
